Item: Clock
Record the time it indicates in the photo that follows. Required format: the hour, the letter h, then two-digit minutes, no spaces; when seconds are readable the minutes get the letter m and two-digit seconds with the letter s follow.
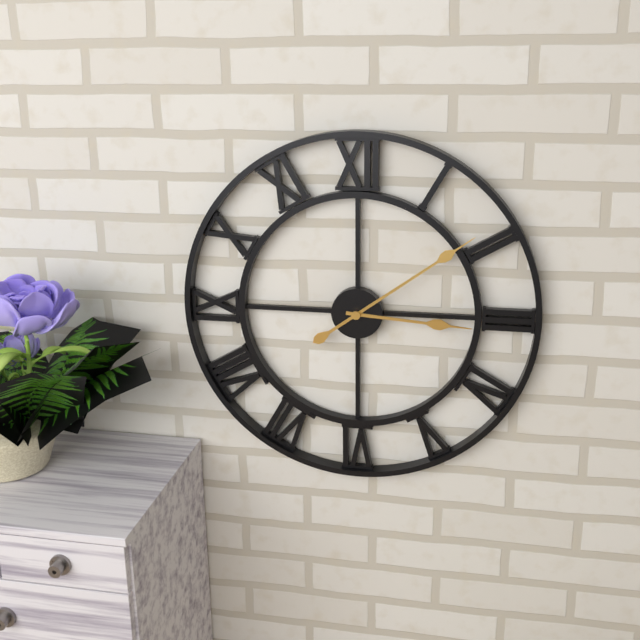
3h09
